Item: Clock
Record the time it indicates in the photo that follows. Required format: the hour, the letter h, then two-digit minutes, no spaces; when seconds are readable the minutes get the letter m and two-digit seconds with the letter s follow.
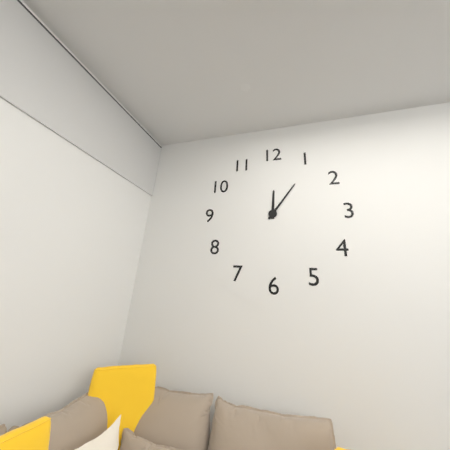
12h06
